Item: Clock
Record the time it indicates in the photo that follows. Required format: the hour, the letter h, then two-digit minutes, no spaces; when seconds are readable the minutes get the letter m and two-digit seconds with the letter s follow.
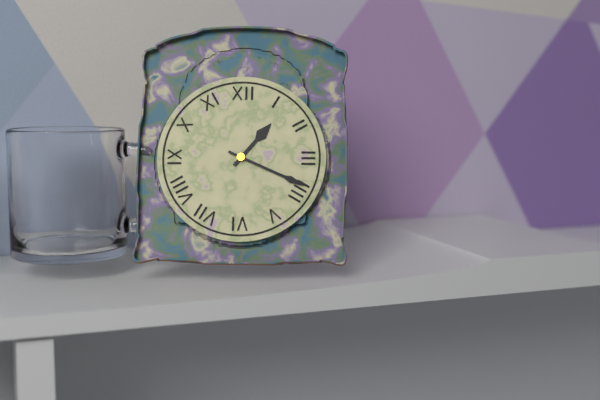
1h19
